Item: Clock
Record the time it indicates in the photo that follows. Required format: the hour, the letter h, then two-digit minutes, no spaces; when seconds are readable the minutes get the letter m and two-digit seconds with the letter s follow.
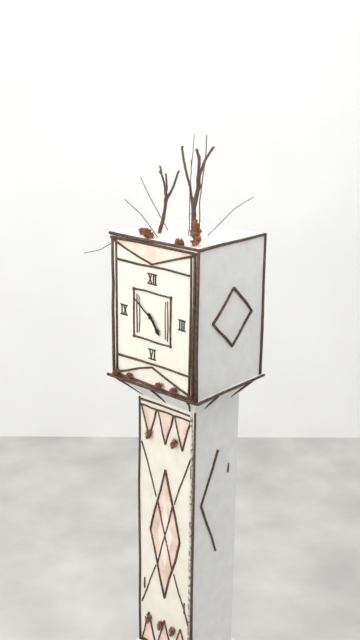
4h51
